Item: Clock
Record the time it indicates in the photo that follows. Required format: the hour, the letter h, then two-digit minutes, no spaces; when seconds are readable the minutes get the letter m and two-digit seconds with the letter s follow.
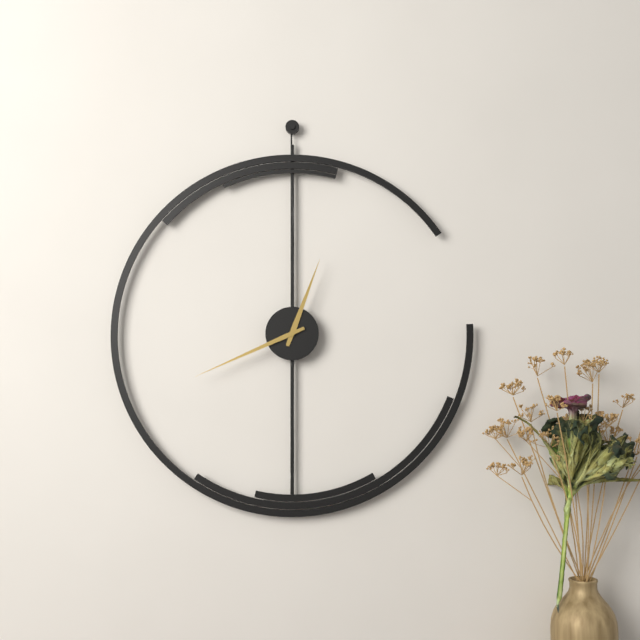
12h41
